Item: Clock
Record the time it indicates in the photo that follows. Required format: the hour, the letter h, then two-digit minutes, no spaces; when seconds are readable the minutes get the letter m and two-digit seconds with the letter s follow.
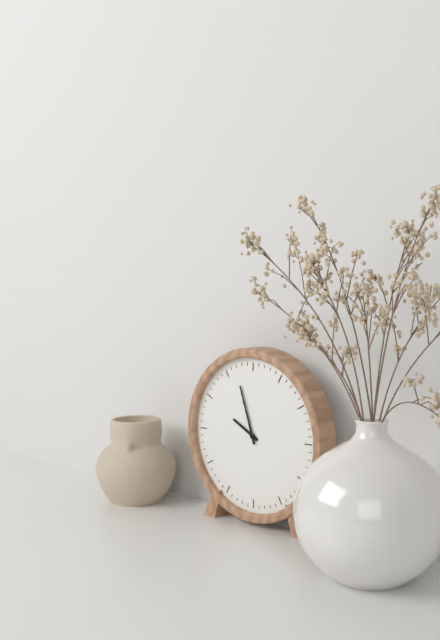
9h57
